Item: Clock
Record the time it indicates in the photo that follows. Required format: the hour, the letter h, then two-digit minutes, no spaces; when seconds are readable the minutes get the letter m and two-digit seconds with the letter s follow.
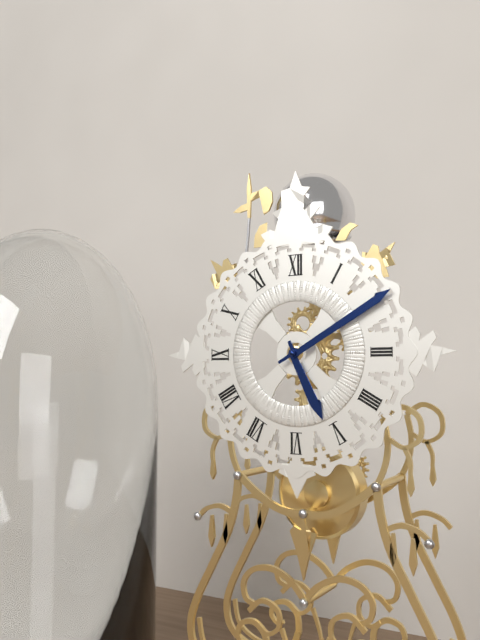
5h10
